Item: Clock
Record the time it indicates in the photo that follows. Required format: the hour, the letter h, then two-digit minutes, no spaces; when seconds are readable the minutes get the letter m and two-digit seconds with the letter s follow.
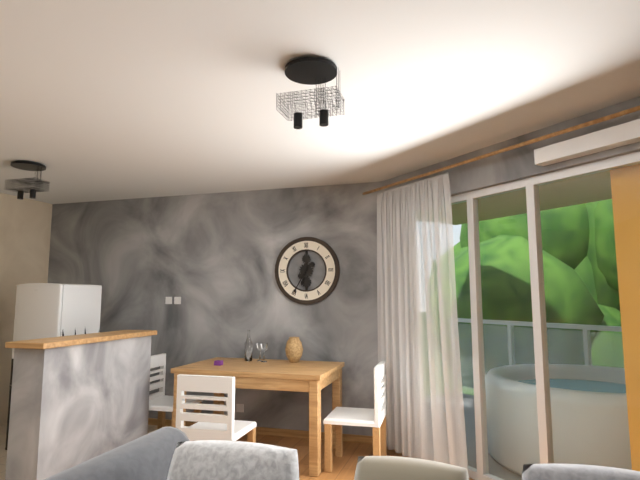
6h35
